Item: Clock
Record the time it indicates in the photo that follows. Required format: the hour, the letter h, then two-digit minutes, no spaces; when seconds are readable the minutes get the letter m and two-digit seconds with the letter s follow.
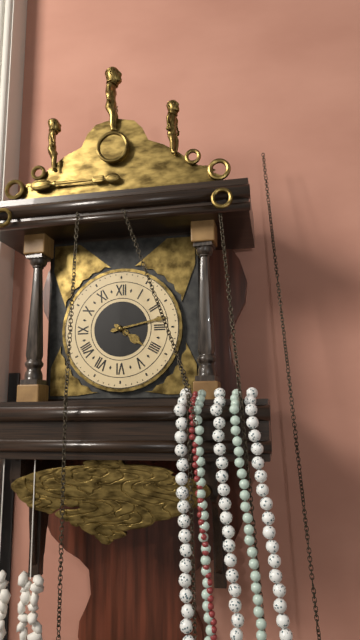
4h13
